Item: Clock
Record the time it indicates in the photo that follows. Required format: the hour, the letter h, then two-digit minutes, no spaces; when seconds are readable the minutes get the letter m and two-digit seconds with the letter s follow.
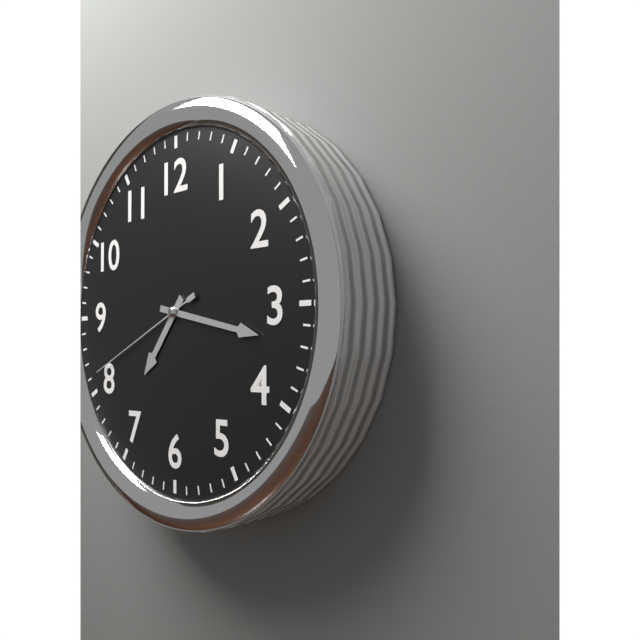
7h17m41s
